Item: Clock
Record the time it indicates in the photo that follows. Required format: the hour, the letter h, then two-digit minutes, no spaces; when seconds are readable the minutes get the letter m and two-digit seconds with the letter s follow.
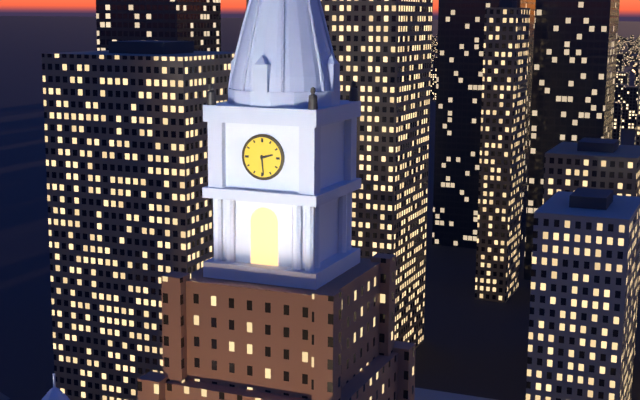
2h29
